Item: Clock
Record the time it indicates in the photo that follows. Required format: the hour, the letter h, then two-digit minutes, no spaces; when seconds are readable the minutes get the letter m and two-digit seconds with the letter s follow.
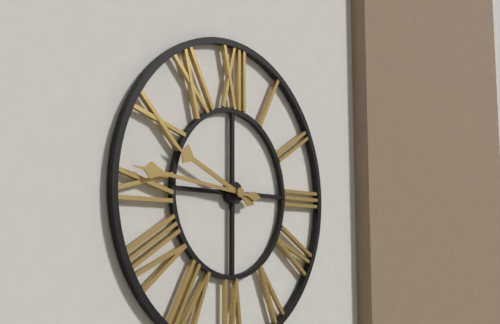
9h46
